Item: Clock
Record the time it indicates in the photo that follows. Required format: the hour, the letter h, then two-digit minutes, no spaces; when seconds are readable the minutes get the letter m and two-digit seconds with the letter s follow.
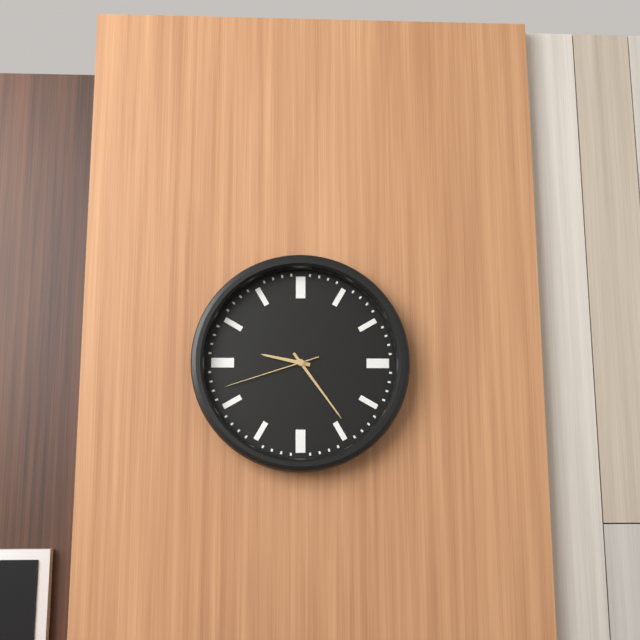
9h24m42s
